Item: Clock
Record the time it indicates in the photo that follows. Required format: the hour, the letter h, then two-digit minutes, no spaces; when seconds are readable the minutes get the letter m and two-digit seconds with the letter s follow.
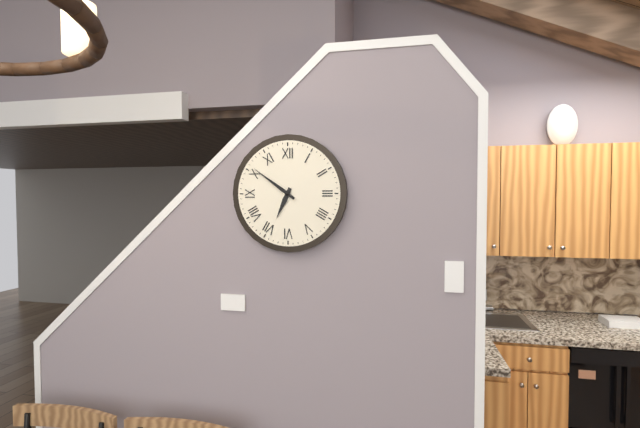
6h51
